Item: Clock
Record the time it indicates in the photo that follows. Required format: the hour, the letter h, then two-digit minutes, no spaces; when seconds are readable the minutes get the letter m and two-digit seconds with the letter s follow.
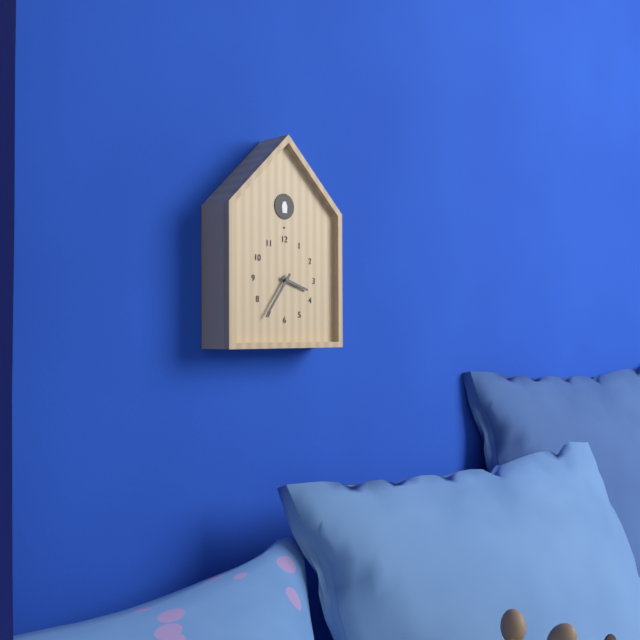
3h36
